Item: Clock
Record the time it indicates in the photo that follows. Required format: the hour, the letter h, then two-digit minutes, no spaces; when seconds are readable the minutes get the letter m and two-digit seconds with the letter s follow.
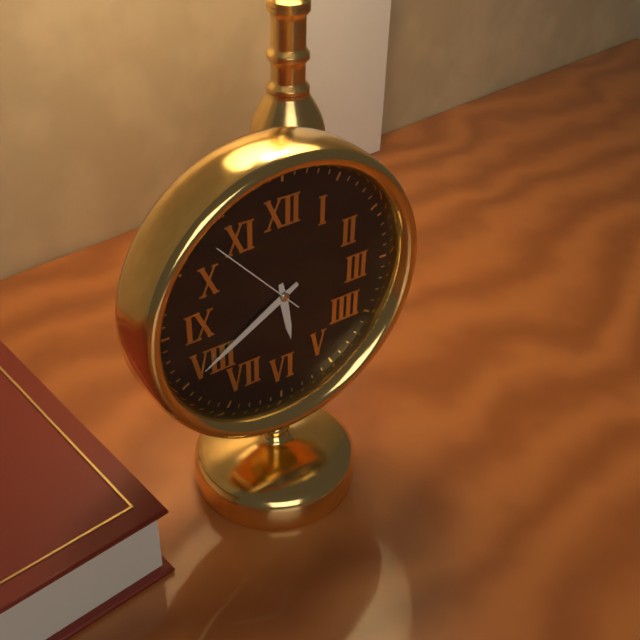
5h40m53s
